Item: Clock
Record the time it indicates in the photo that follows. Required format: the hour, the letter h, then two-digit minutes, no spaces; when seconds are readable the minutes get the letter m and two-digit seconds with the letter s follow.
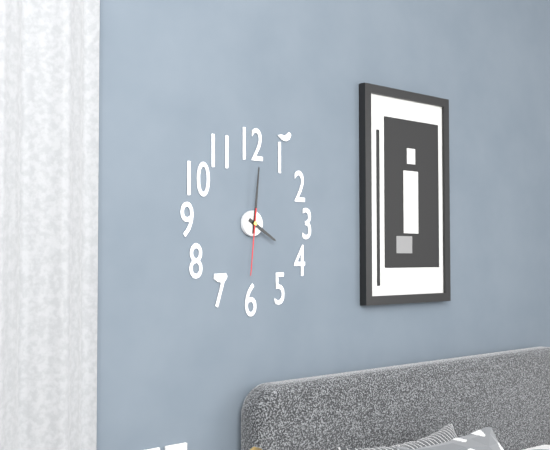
4h01m31s
